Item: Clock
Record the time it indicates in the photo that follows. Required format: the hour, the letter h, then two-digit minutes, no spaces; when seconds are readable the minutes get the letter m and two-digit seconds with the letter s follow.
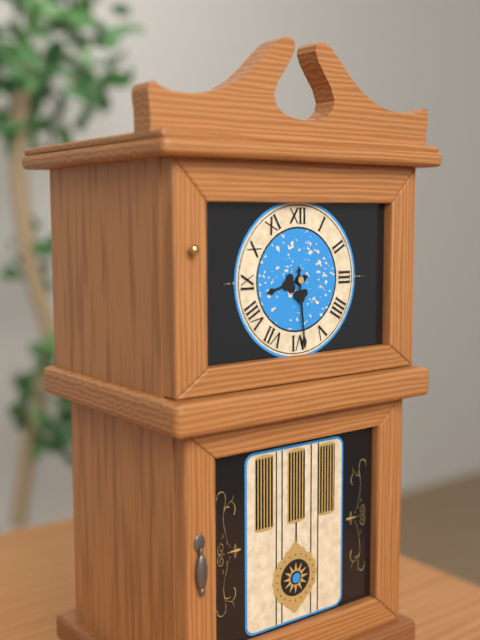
8h29
